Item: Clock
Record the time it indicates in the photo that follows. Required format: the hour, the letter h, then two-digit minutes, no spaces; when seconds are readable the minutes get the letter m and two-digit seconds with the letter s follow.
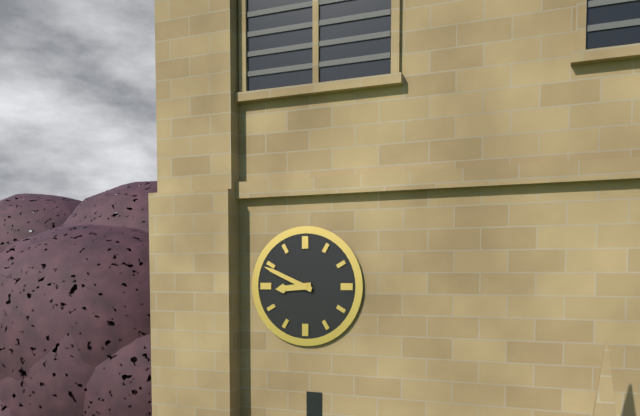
8h49
